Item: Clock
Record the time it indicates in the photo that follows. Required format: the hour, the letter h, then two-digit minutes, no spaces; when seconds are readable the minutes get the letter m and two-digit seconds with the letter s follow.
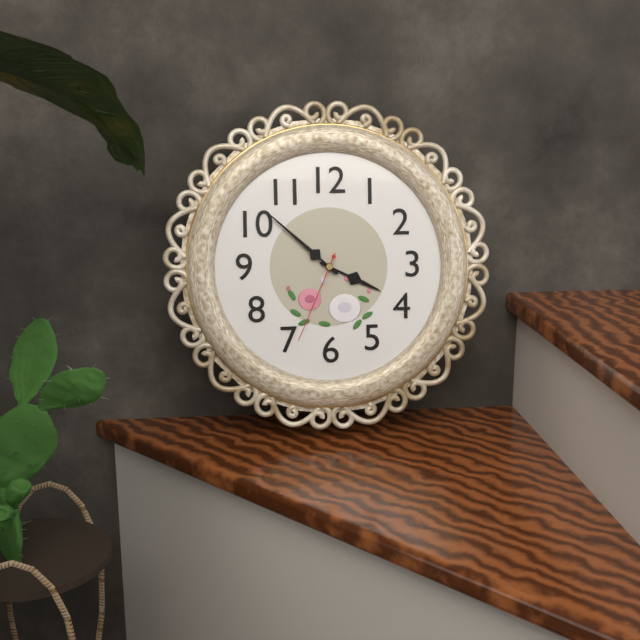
3h52m34s
